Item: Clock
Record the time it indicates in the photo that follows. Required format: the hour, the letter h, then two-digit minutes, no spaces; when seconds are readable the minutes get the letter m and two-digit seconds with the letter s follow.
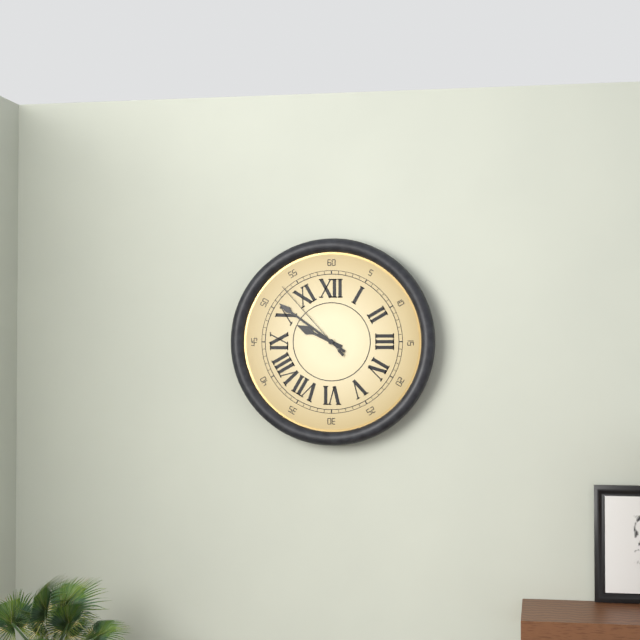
9h51m53s
